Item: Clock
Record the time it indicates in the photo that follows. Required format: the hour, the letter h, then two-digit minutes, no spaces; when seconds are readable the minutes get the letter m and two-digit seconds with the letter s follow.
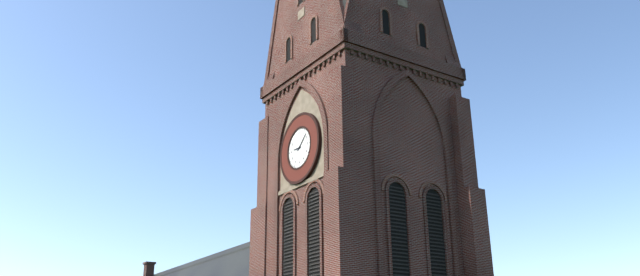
9h08
